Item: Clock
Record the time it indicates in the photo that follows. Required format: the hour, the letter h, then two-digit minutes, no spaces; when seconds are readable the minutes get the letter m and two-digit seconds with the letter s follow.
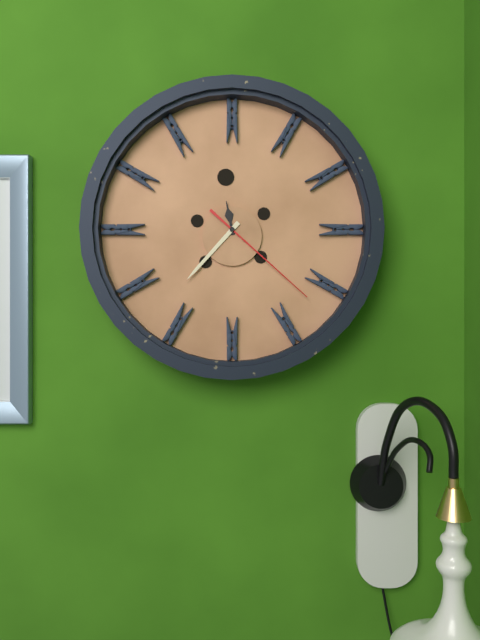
11h37m22s
